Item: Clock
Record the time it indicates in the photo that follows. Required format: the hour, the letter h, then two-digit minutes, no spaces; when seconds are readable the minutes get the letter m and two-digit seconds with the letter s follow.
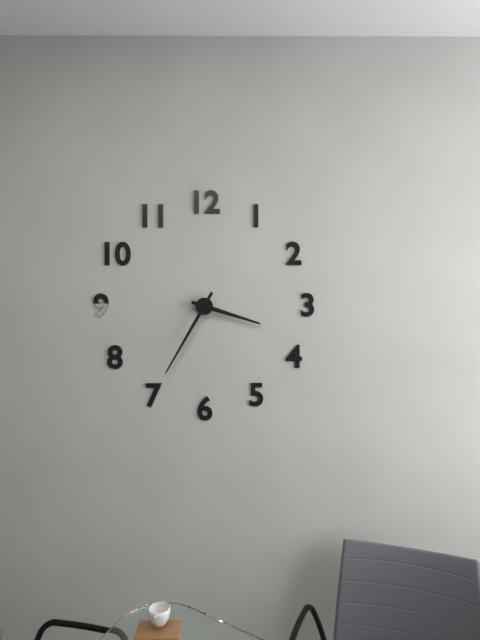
3h35
